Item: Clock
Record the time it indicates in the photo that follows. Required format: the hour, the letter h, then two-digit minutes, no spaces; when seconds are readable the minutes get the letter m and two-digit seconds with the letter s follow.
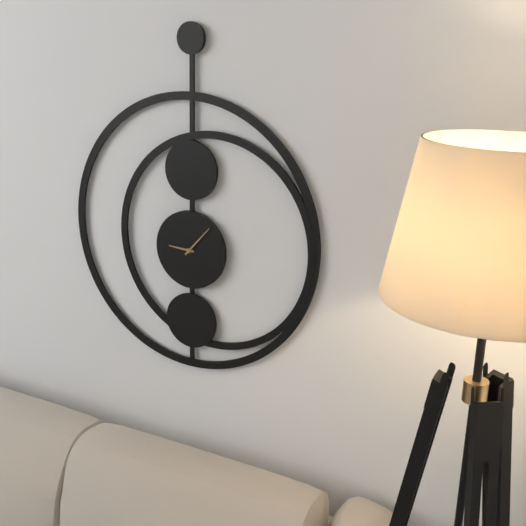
9h07
